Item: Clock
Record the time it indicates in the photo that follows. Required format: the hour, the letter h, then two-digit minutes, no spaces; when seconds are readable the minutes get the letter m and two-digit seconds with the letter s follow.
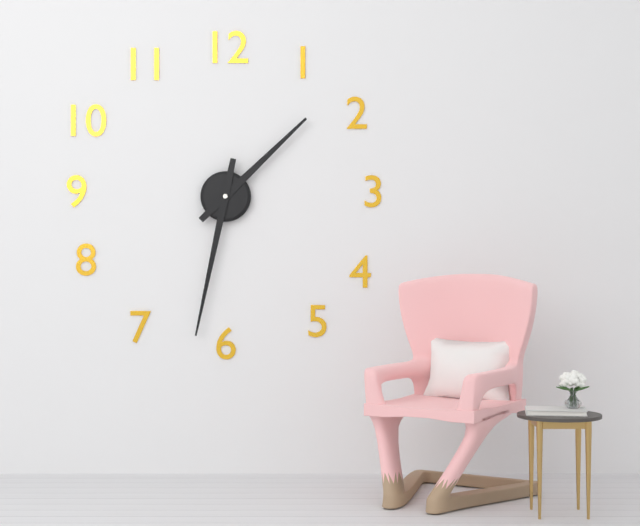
1h32
